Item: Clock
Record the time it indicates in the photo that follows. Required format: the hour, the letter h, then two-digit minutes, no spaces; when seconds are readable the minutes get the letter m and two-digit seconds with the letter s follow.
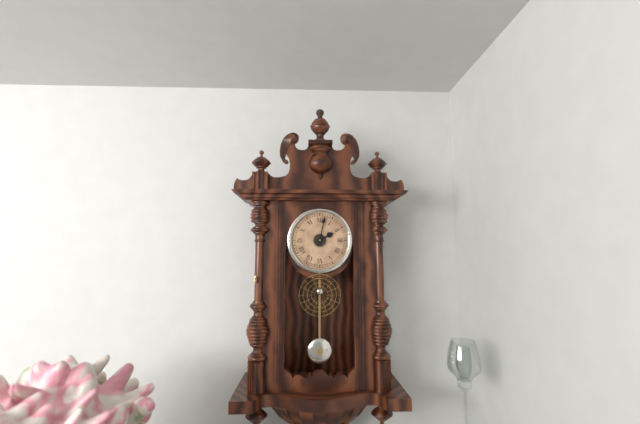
2h02
